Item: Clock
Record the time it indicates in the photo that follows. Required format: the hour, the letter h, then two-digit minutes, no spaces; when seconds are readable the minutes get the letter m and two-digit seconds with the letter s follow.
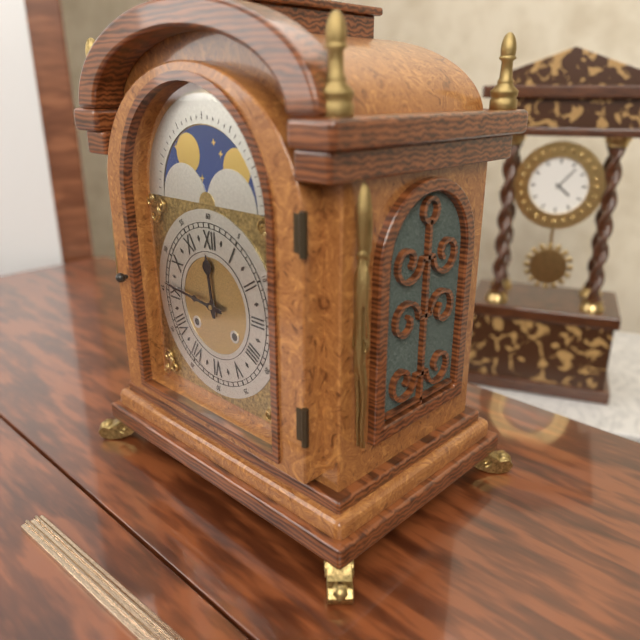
11h46
